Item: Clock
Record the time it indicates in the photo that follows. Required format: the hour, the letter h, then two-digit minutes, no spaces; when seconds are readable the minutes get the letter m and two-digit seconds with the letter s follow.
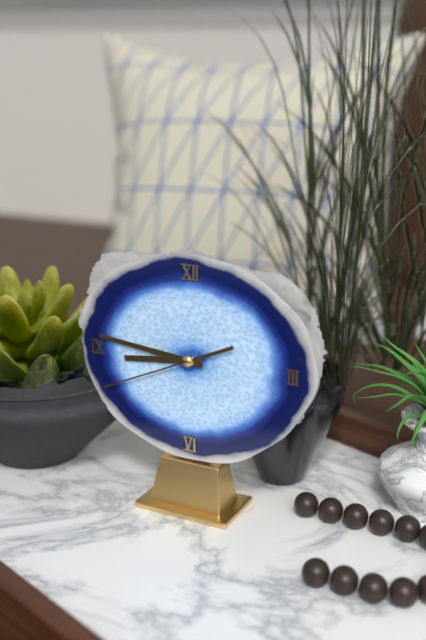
8h46m41s
